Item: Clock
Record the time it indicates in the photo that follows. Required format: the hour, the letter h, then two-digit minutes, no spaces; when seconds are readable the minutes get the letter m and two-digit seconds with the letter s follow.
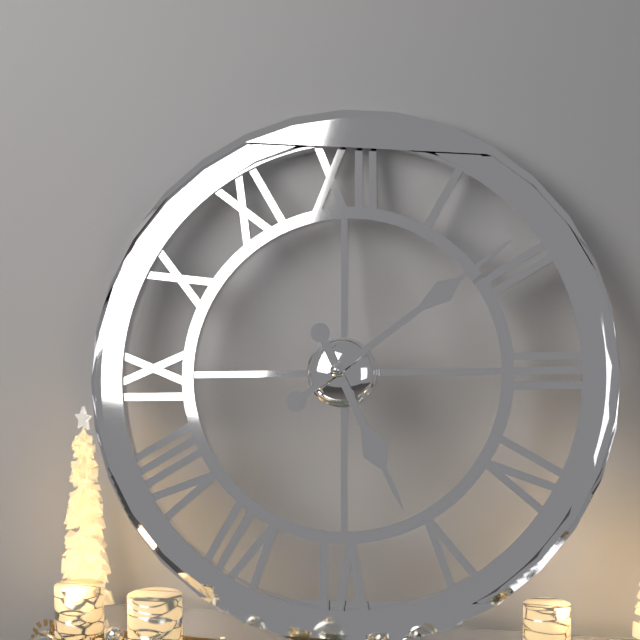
5h09
